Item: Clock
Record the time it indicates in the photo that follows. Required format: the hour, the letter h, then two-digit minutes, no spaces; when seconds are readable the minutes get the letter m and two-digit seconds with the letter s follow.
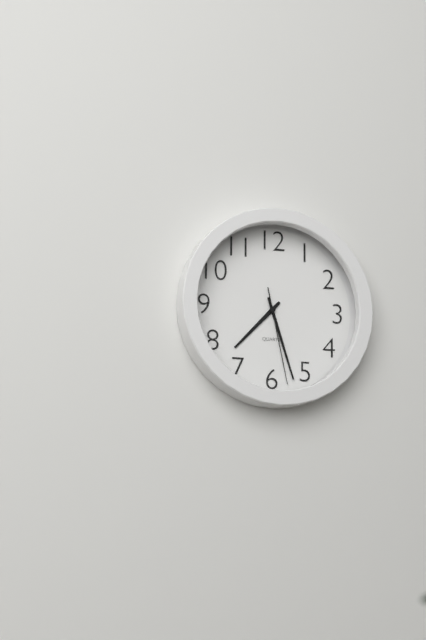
7h27m28s
